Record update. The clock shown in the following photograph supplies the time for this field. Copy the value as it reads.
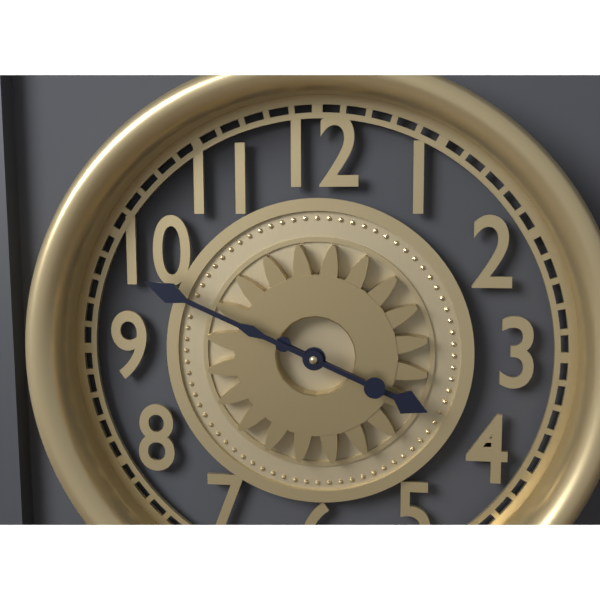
3:49
